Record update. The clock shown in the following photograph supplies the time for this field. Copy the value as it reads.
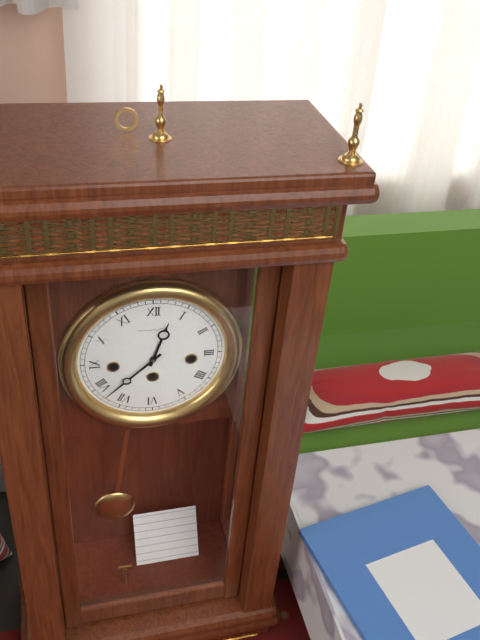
12:38
